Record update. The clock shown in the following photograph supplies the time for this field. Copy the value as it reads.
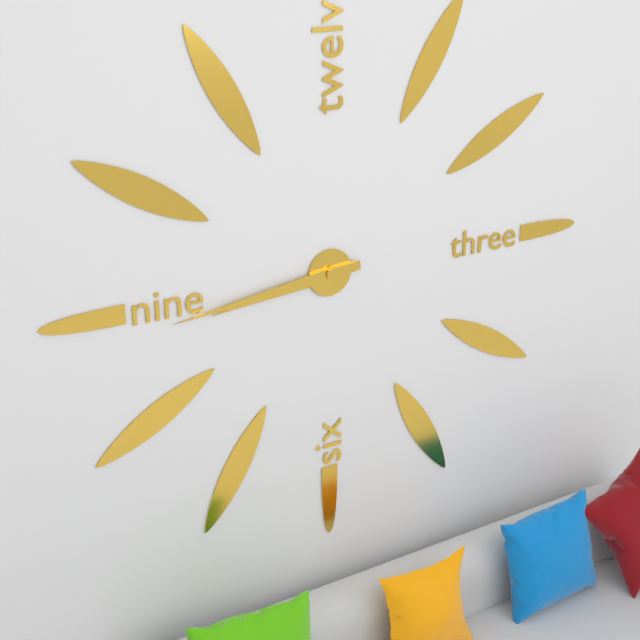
8:44
